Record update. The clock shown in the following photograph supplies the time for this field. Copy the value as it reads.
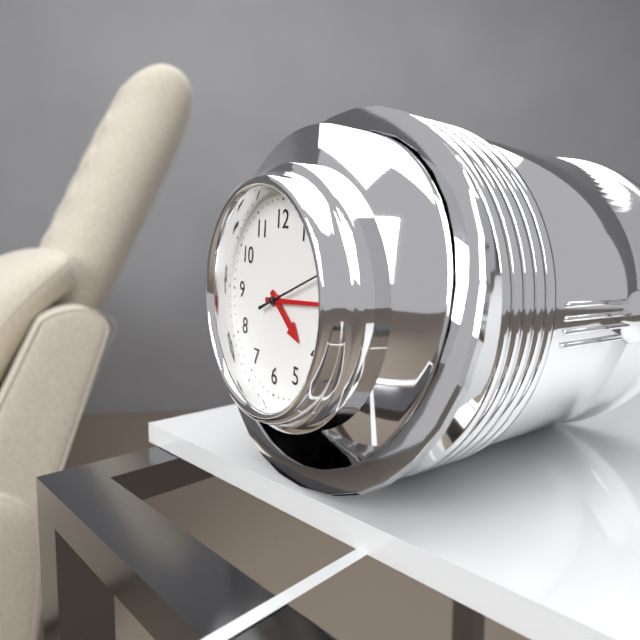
4:14:11
